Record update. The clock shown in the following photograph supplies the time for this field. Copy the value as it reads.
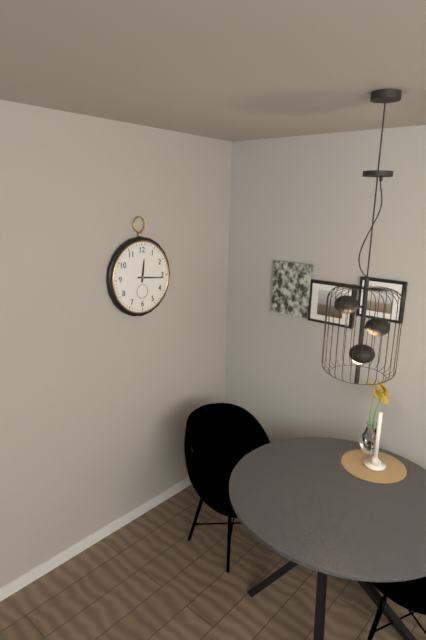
12:16
